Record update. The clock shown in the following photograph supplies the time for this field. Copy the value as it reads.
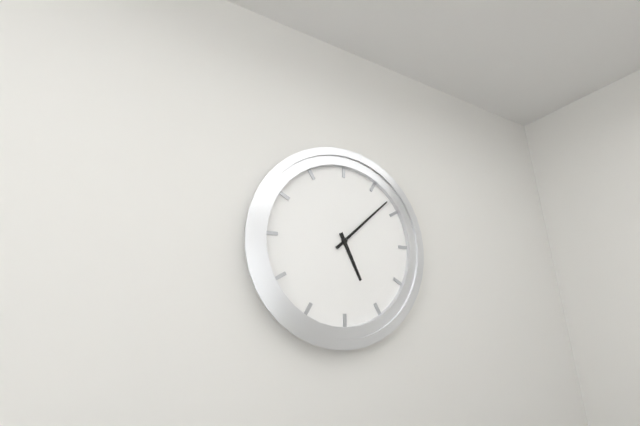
5:08
